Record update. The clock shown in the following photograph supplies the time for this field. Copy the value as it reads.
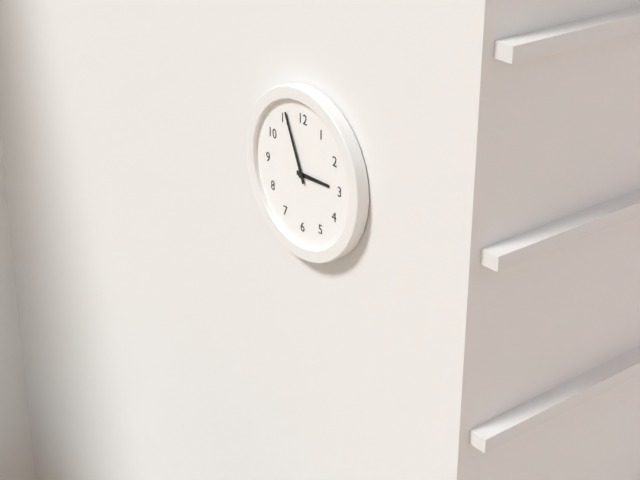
2:56
